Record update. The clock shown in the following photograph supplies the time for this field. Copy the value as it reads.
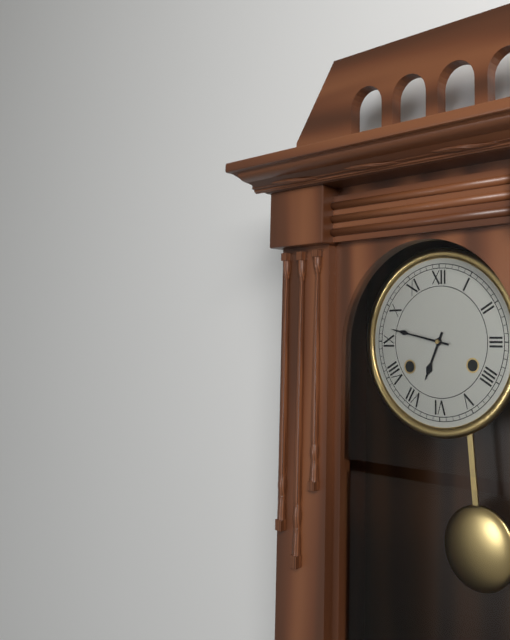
6:47
